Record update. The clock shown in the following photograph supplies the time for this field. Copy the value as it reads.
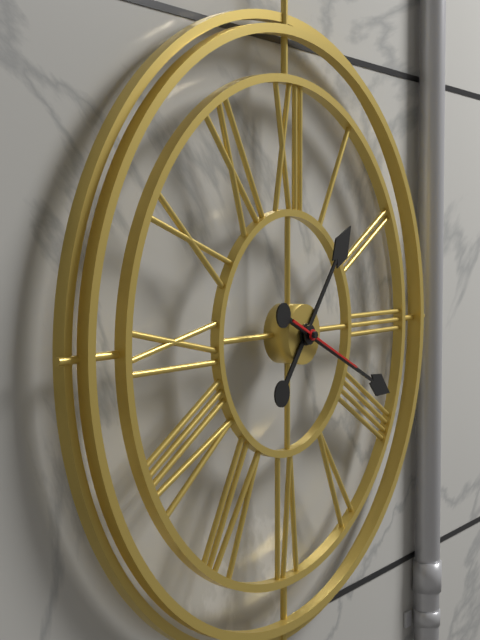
1:19:19
